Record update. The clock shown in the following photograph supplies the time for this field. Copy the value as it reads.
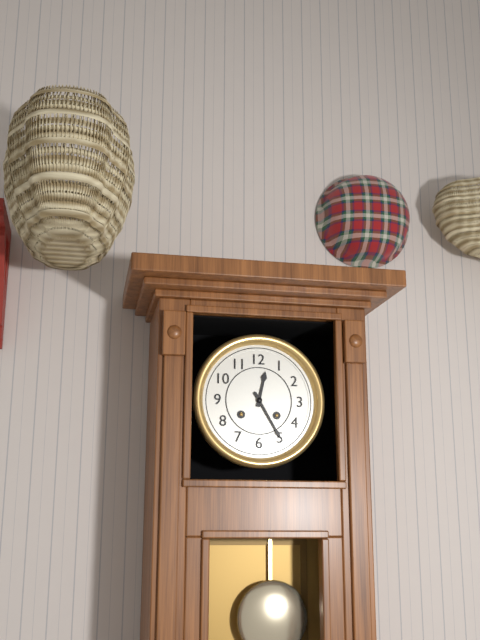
12:25
